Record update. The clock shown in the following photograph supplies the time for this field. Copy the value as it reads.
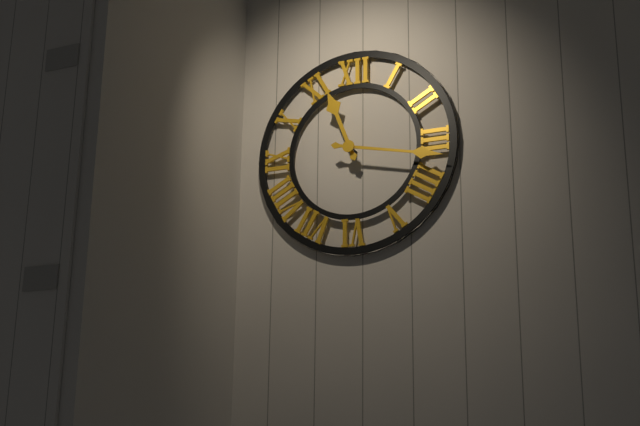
11:17
